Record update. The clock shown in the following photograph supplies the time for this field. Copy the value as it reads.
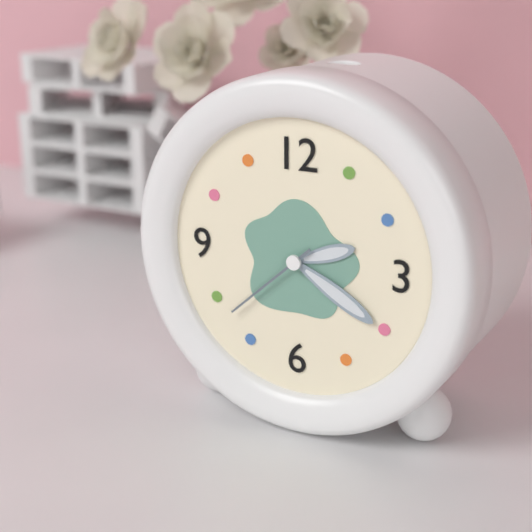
2:20:38
